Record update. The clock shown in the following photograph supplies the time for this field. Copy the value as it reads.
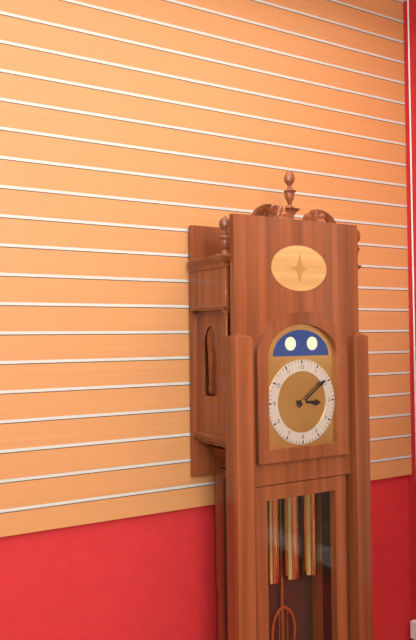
3:09
